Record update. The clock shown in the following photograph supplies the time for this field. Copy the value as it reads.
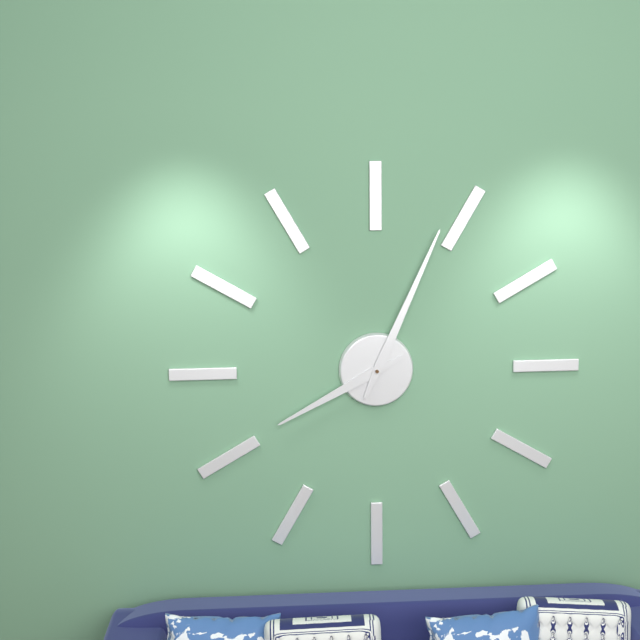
8:04
